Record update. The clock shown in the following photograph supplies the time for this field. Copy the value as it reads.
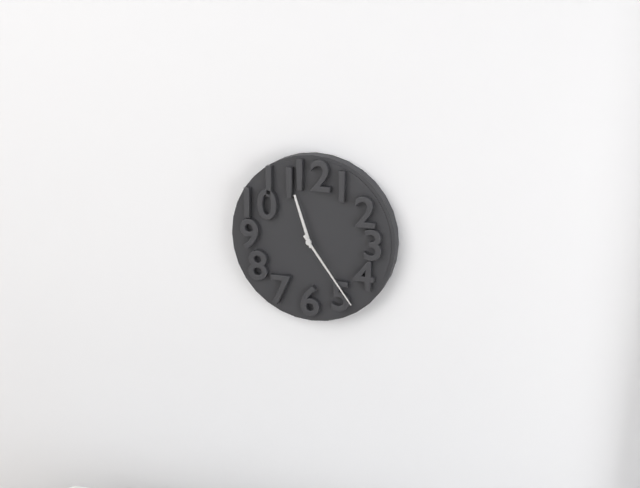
11:24
